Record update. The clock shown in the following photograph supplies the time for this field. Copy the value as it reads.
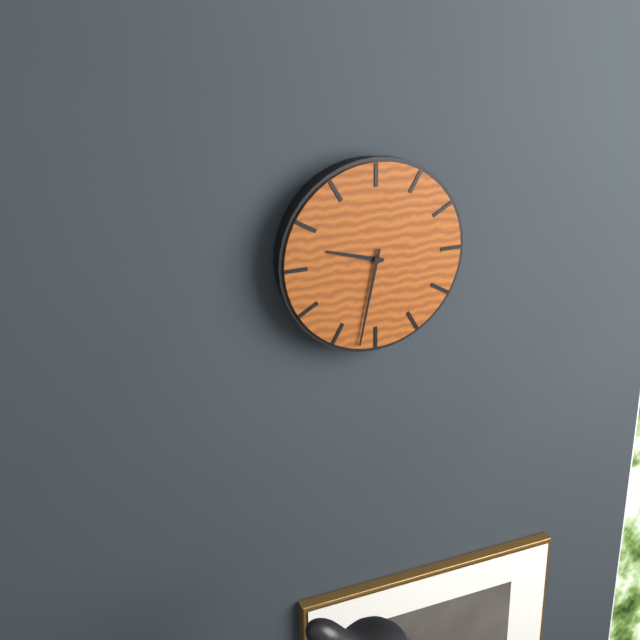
9:32
